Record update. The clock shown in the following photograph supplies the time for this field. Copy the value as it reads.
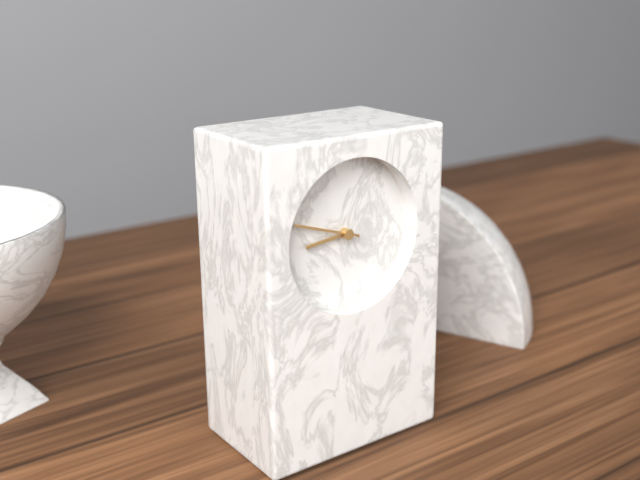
8:48
